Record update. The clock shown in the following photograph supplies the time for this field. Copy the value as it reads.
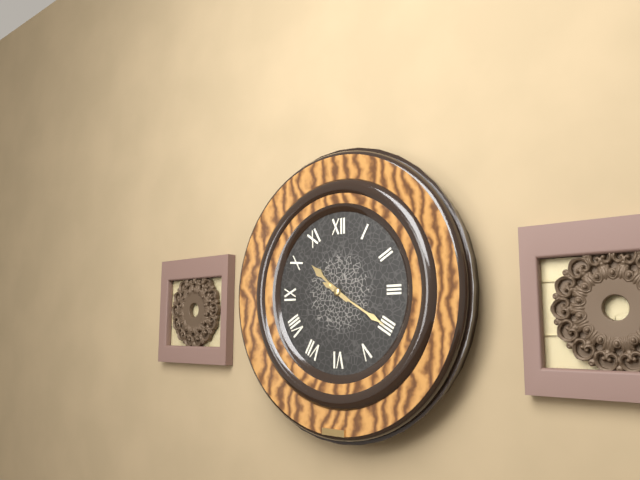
10:20
